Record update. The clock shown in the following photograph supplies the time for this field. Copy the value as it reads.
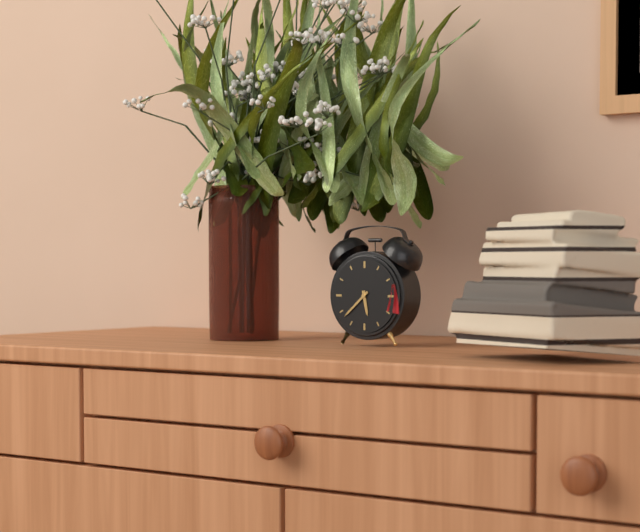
5:38
